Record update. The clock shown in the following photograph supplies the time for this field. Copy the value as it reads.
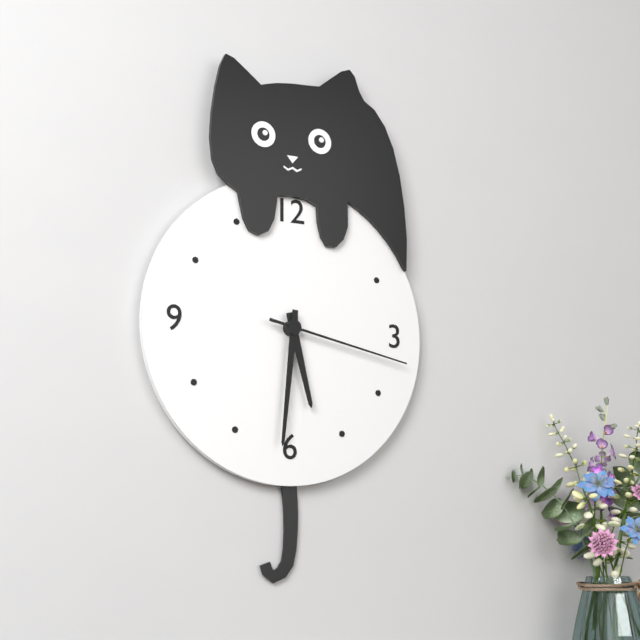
5:31:17
